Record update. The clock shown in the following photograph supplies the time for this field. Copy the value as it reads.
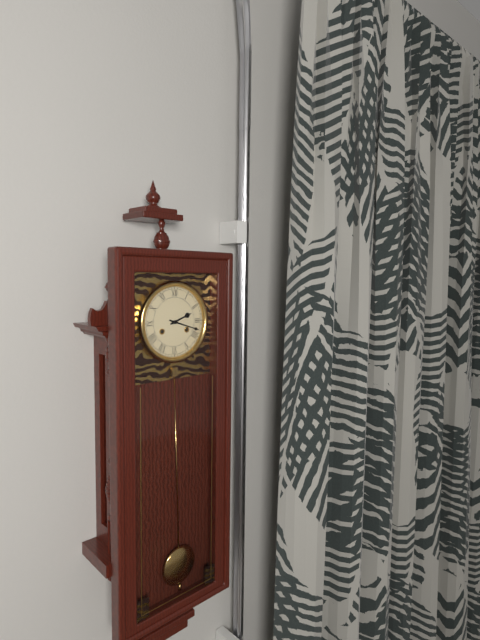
2:18
